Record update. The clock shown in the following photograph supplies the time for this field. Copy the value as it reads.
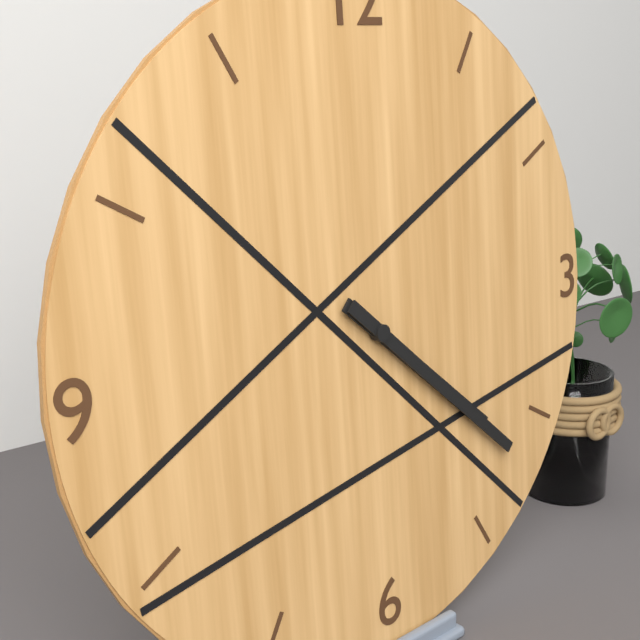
4:22
